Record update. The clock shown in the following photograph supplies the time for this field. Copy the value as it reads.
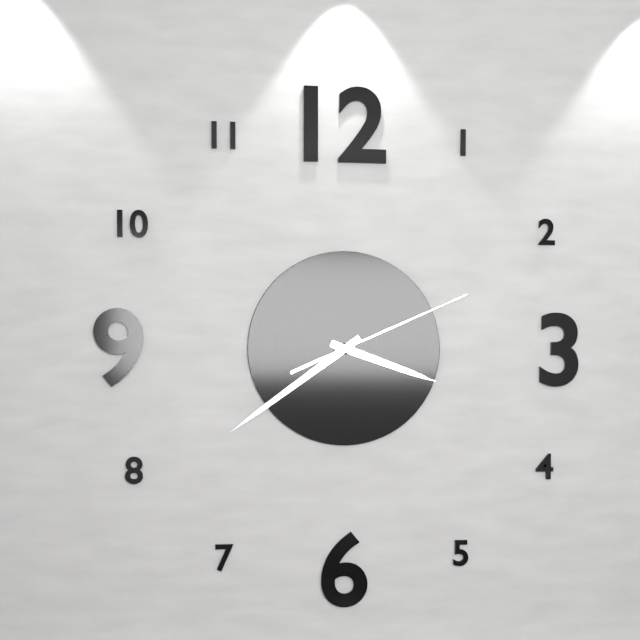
3:39:11
